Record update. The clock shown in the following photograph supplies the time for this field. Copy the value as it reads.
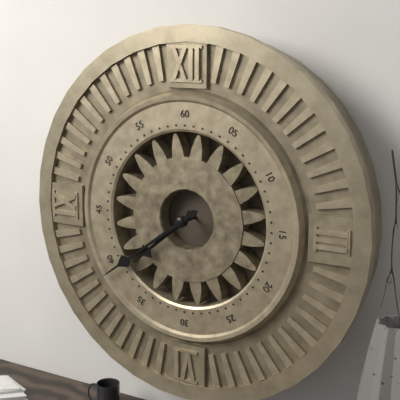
7:39
